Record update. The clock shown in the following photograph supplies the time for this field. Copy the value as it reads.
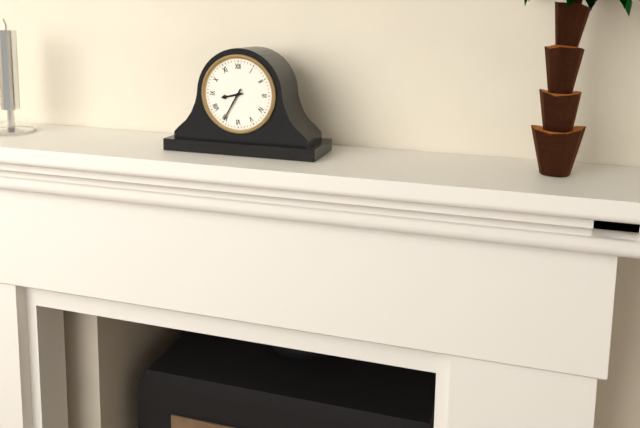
8:35
